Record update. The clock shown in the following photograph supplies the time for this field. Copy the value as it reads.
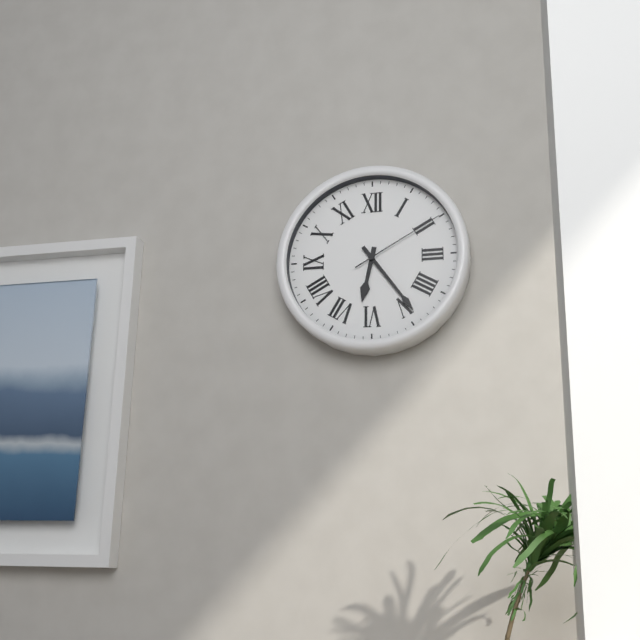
6:24:10
